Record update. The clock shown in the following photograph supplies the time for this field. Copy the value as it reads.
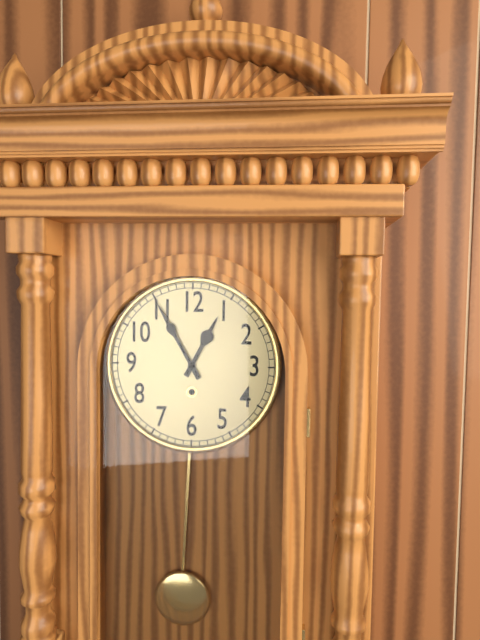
12:55
